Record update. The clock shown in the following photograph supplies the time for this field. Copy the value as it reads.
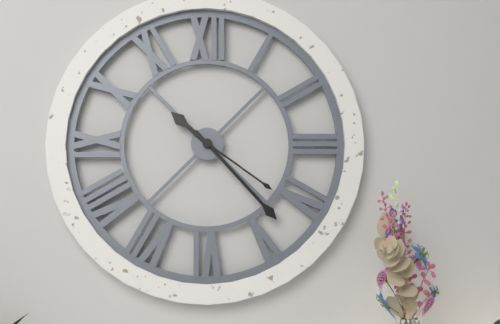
10:23:21
